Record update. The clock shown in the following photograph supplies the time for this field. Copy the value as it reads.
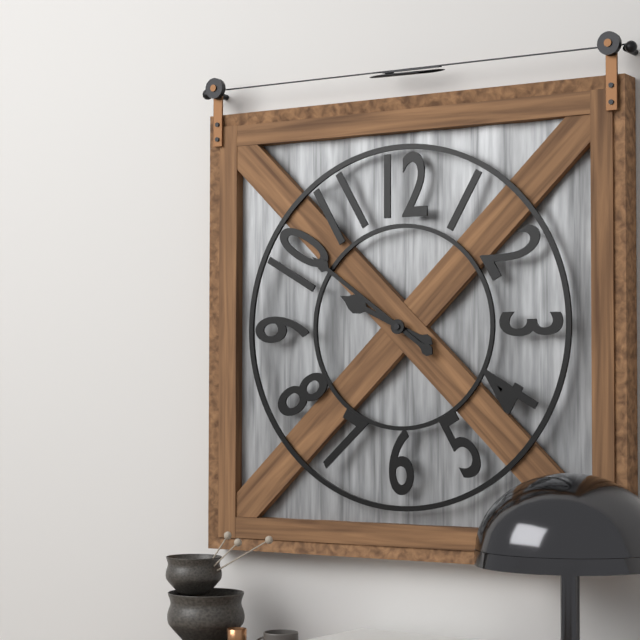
9:51
